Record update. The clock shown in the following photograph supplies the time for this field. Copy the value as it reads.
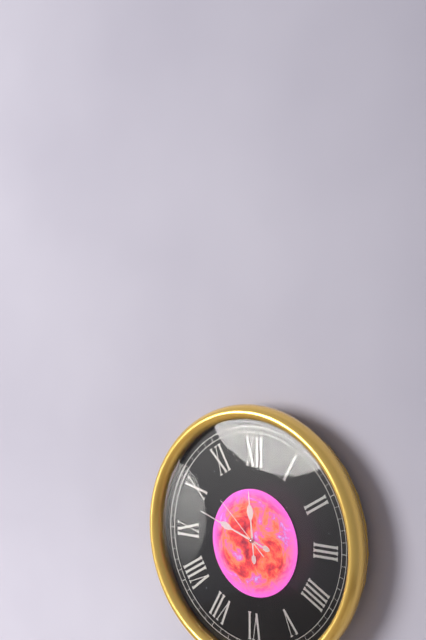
11:48:52
